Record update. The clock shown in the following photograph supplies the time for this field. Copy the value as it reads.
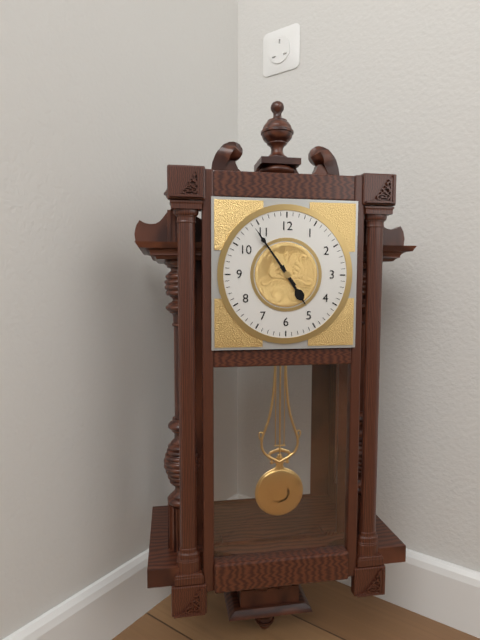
4:54
